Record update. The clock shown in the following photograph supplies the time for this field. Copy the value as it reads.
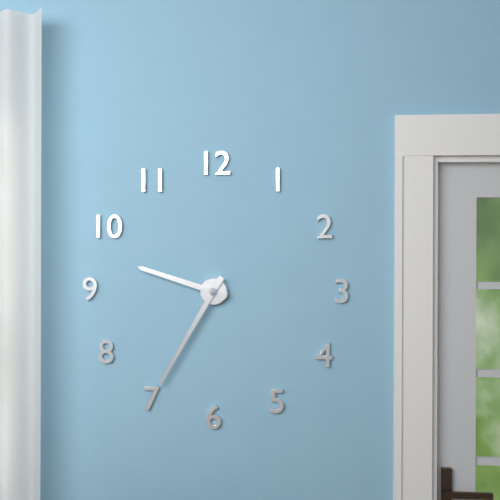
9:35
